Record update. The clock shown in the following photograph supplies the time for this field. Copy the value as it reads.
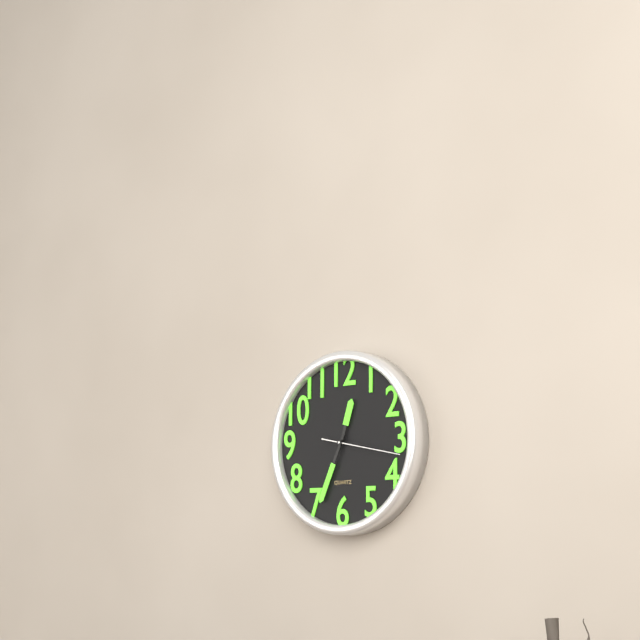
12:34:17
